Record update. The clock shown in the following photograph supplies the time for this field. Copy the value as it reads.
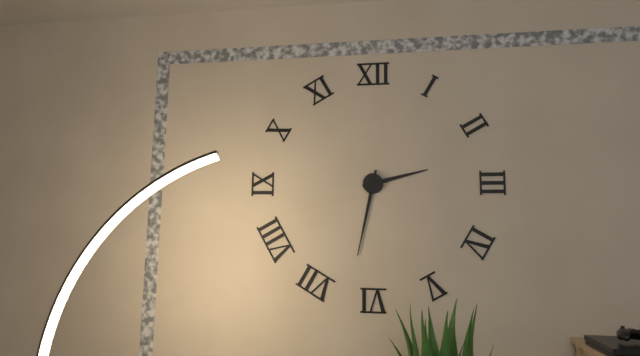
2:32
